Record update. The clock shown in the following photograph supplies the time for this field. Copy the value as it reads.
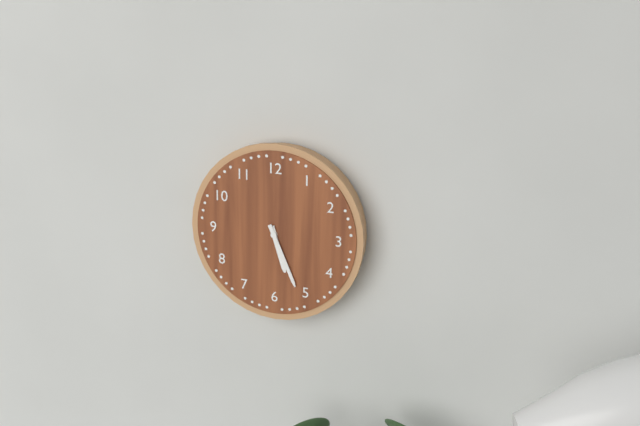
5:26
